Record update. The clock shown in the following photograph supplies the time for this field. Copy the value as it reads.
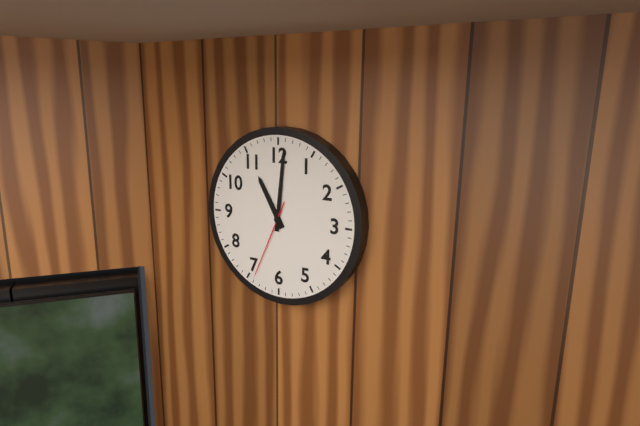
11:01:34
